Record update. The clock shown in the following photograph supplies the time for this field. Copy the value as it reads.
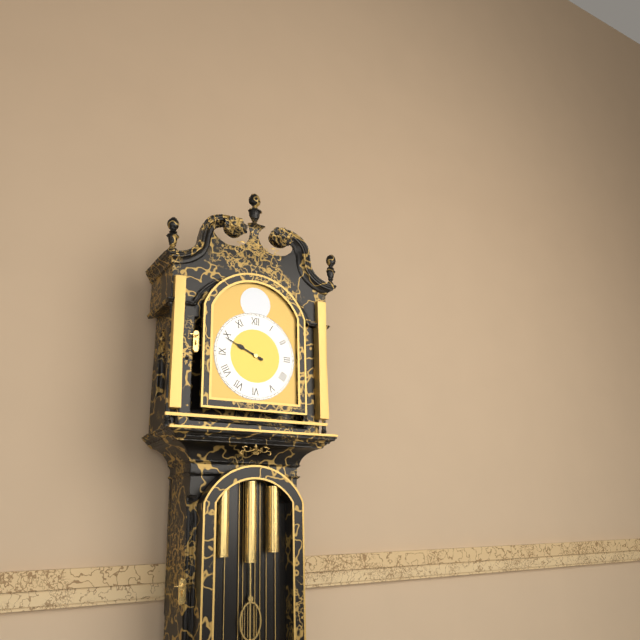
9:49
